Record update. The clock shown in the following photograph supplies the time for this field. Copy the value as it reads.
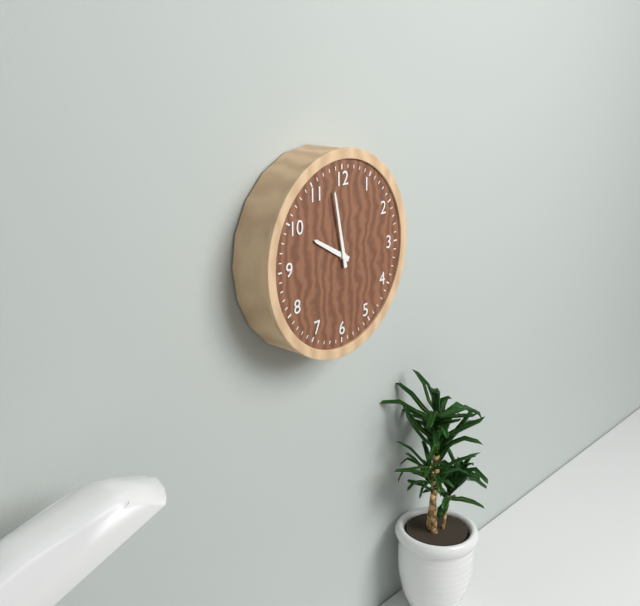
9:58
